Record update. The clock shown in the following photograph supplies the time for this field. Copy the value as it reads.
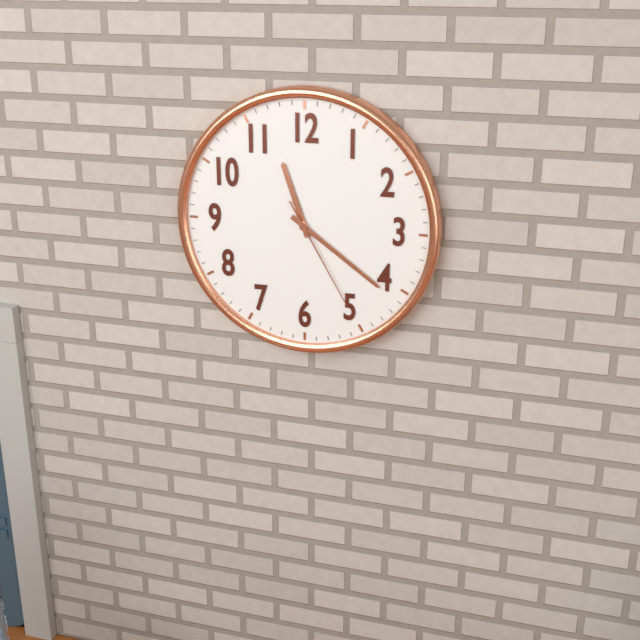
11:21:25
